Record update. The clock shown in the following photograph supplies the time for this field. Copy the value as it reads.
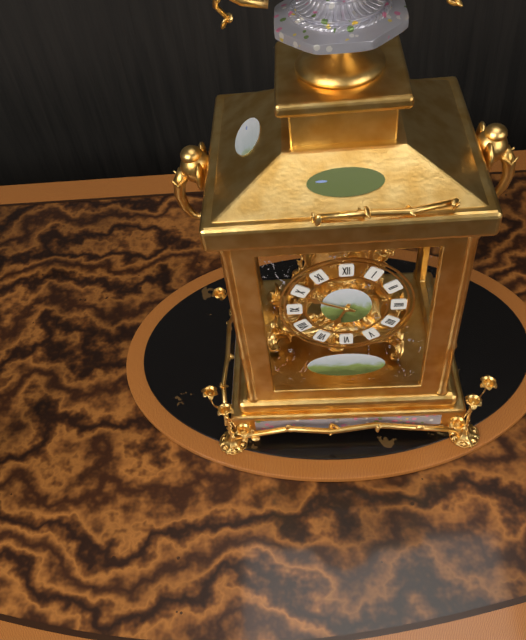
6:49
